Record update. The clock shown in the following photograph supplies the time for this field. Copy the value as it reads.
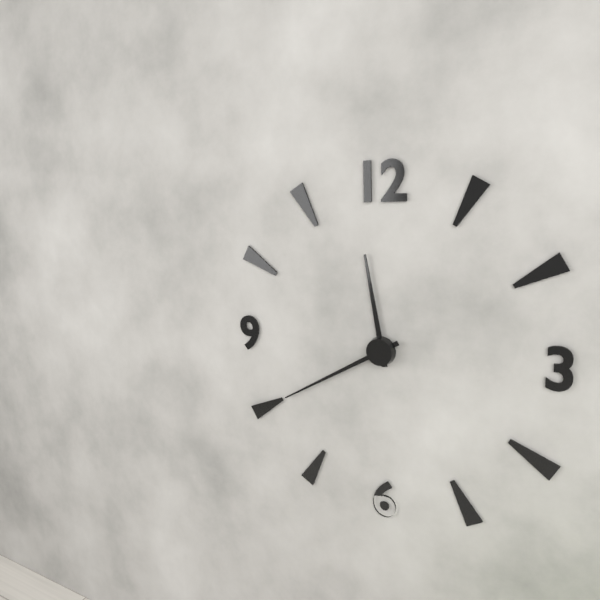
11:40
